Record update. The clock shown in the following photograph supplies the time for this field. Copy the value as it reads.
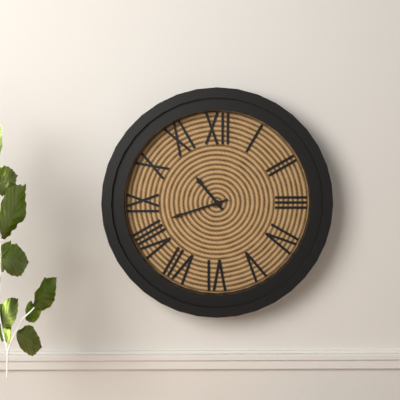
10:42
